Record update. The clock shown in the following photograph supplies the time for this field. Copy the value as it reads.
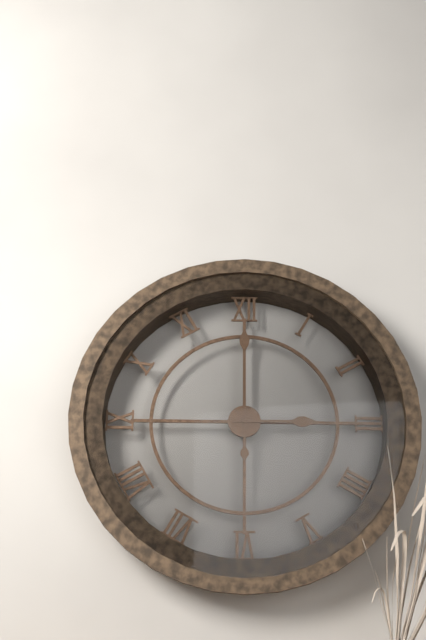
3:00
